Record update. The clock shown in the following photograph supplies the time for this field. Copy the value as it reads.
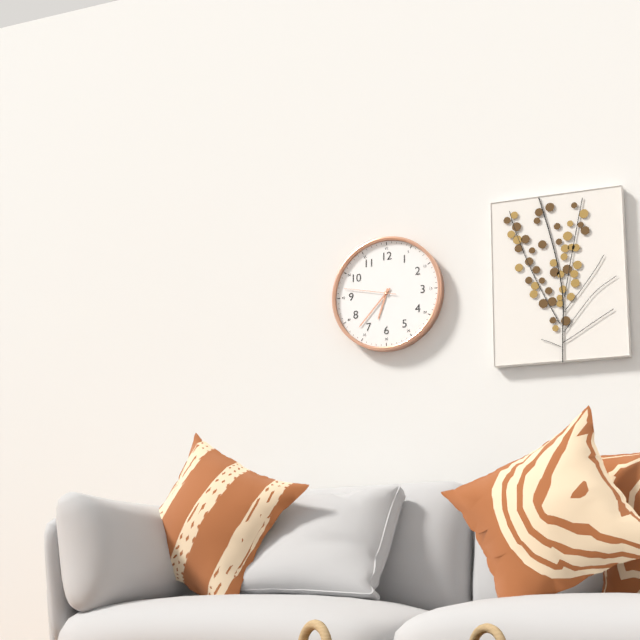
6:37:47
